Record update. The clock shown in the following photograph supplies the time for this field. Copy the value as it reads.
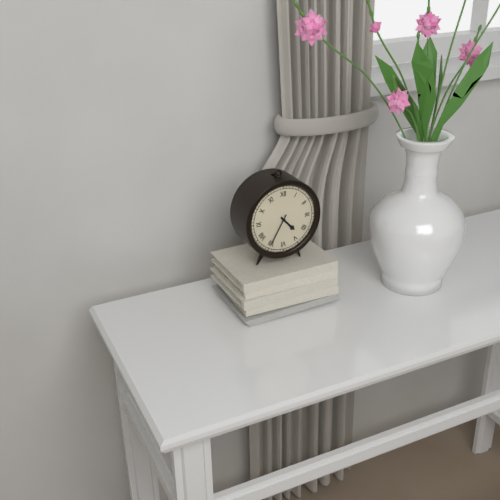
4:35
